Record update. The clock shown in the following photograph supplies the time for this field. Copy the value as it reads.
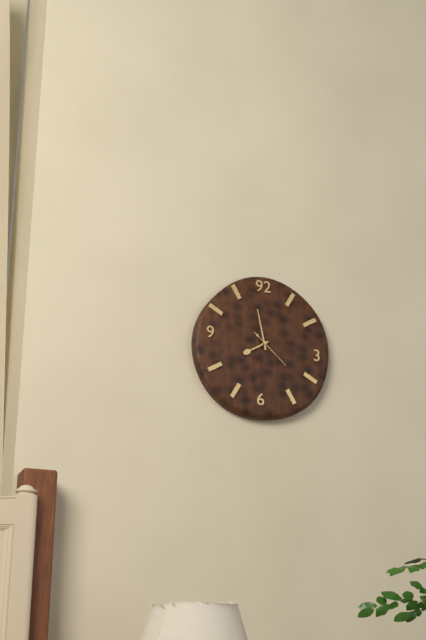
7:58
